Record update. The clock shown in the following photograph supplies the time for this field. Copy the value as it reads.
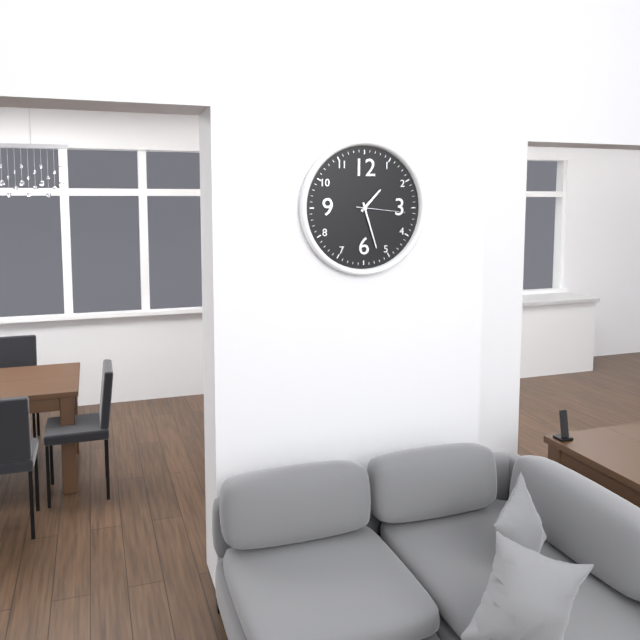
1:27:16
